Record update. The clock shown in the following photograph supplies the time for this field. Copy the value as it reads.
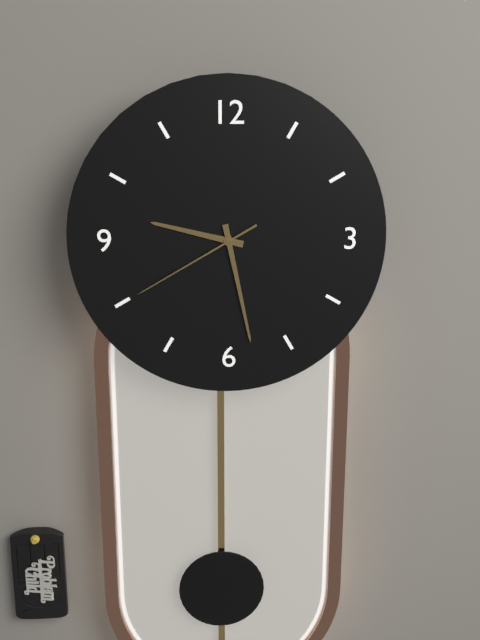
9:28:40
